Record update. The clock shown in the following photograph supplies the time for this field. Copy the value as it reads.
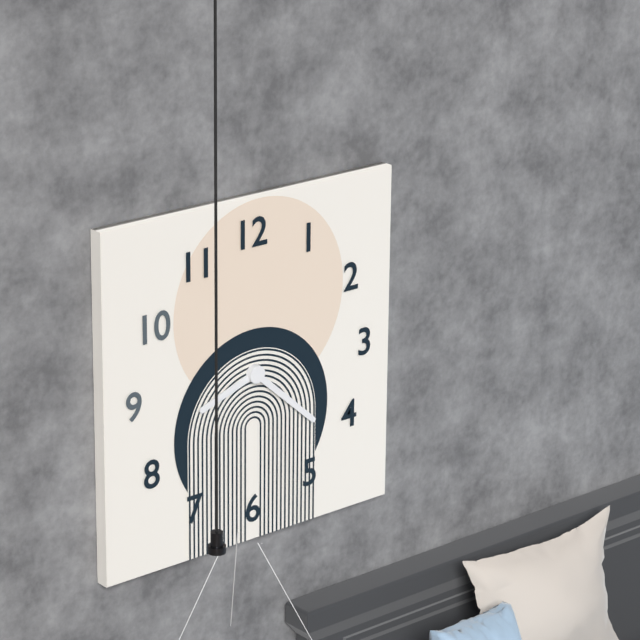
8:22
